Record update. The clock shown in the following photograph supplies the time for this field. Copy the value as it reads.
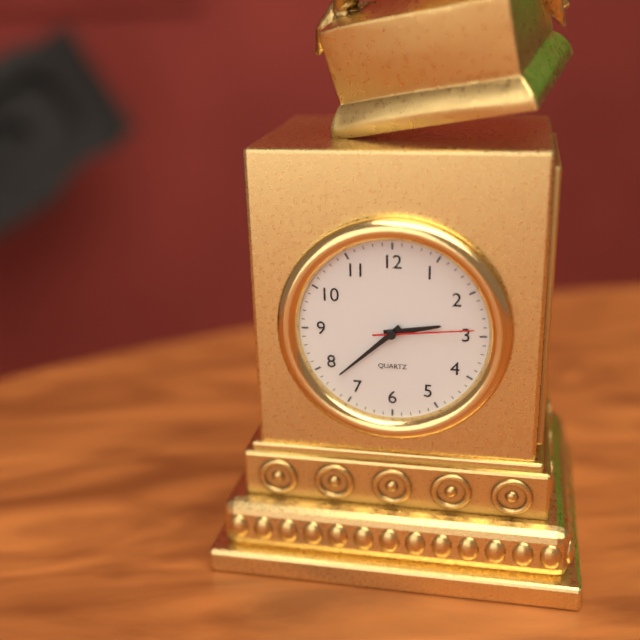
2:38:14
